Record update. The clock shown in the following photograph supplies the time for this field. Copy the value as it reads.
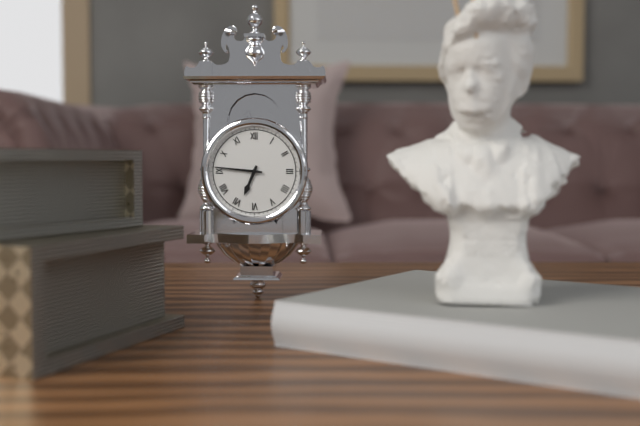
6:46
